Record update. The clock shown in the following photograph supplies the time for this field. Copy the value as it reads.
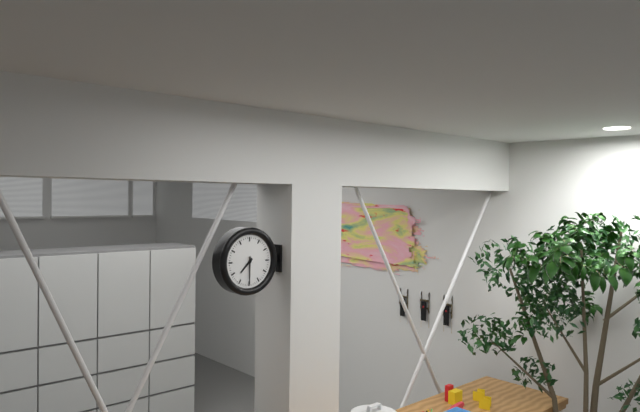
7:30
